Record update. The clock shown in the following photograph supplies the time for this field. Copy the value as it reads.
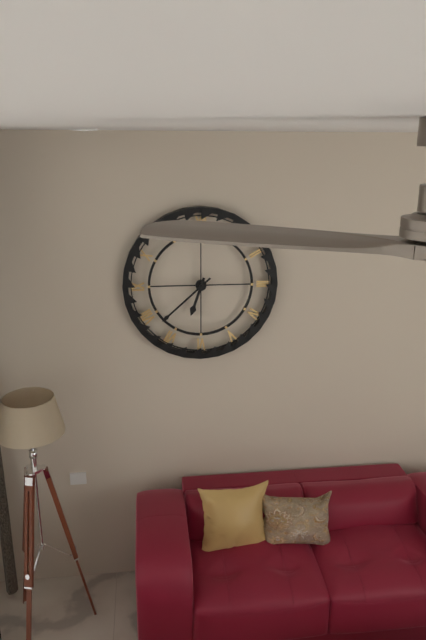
6:38
